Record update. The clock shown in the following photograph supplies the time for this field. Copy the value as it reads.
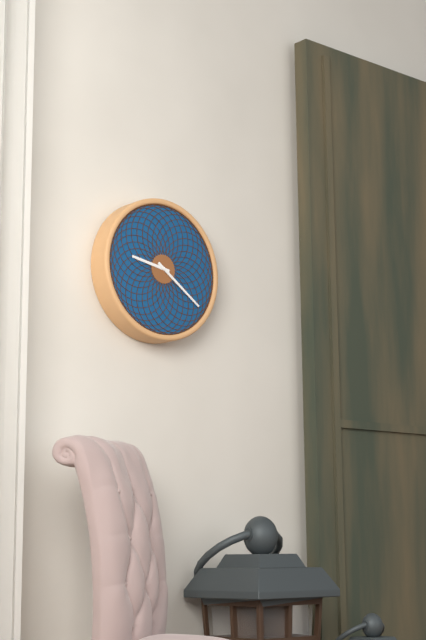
9:21
